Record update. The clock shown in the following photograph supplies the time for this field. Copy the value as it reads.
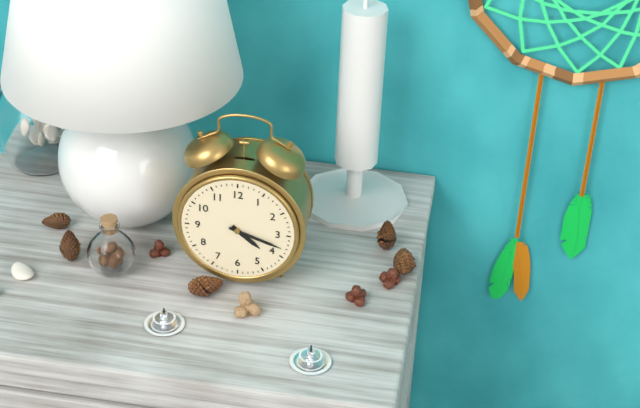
4:18
